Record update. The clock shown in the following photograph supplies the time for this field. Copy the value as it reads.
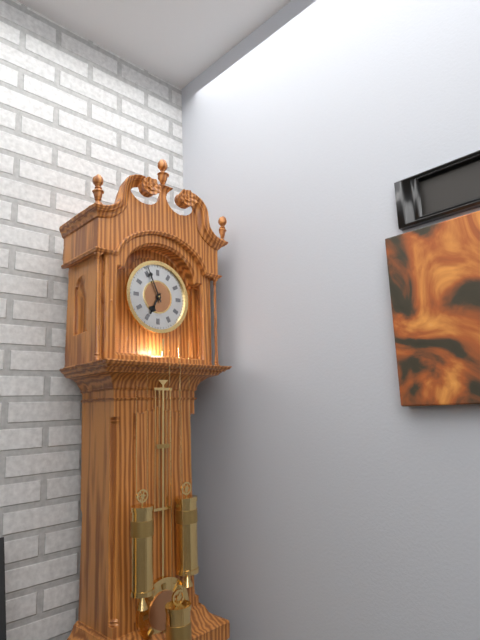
6:56
